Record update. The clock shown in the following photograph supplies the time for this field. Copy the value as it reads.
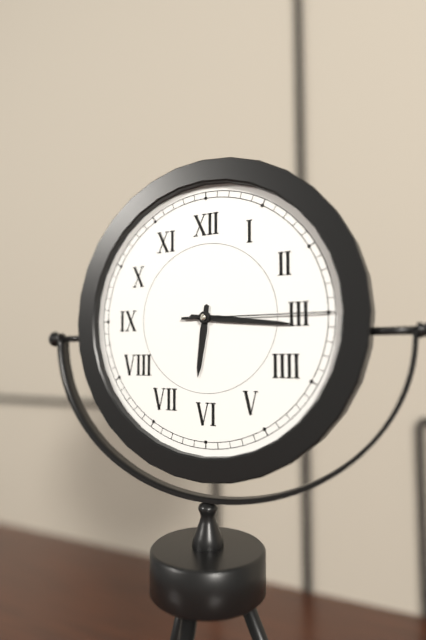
6:16:15
